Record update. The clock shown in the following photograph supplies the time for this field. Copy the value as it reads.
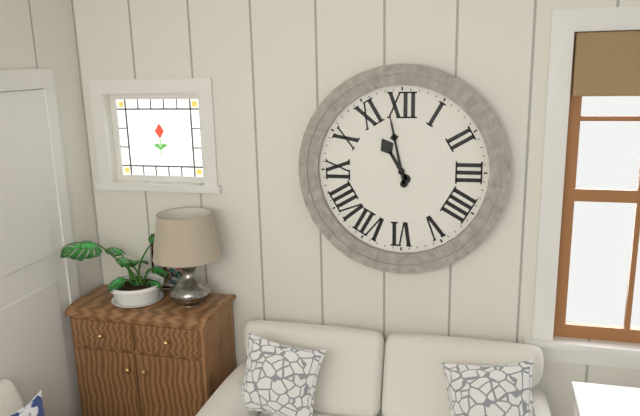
10:58
